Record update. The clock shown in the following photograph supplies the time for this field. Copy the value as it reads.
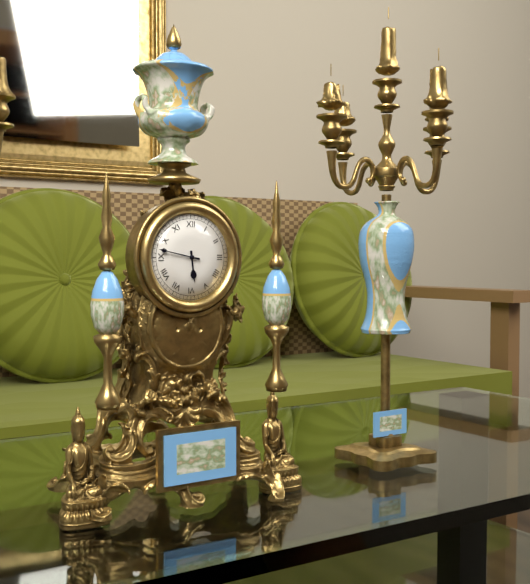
5:47
